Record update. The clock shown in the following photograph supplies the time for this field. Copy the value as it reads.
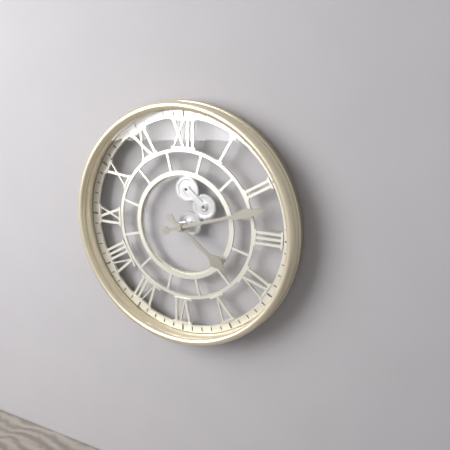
4:12
